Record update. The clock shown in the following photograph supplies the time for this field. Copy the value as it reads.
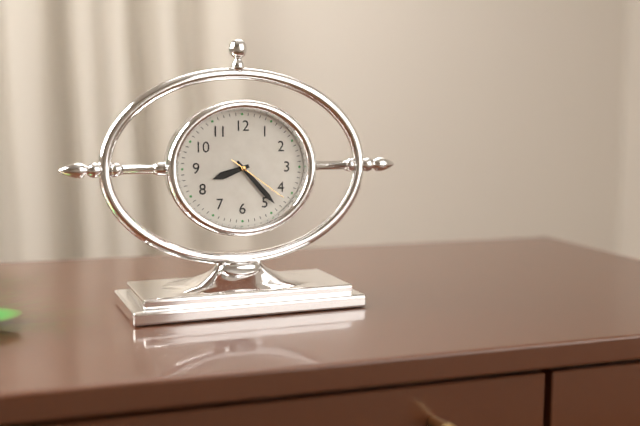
8:23:21
